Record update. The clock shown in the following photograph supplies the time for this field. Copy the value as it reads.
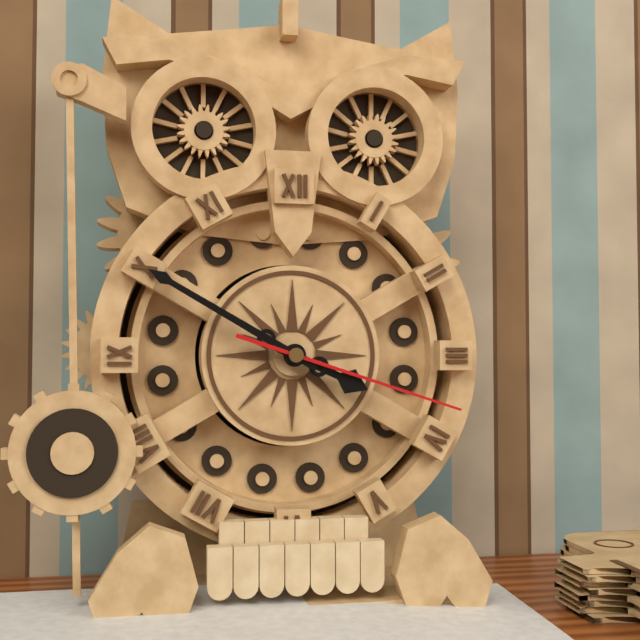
3:50:18
